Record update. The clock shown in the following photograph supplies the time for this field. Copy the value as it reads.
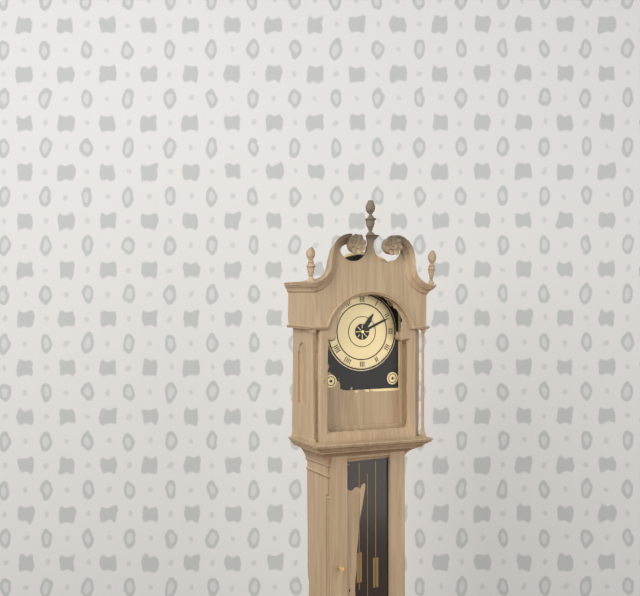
1:11
